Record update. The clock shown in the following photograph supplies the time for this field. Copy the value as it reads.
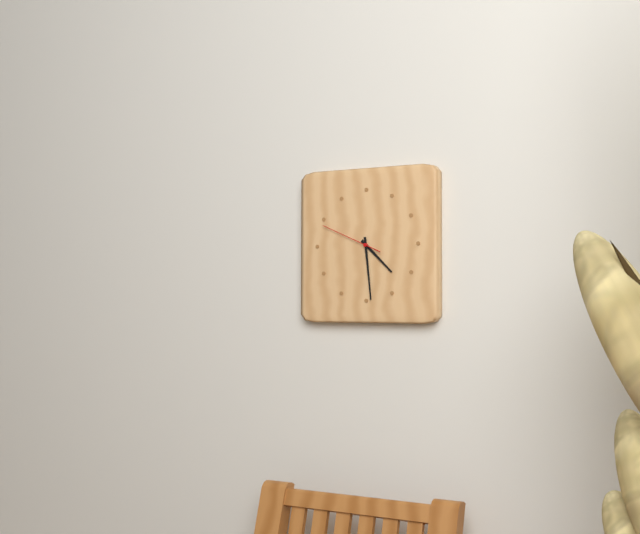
4:29:49
